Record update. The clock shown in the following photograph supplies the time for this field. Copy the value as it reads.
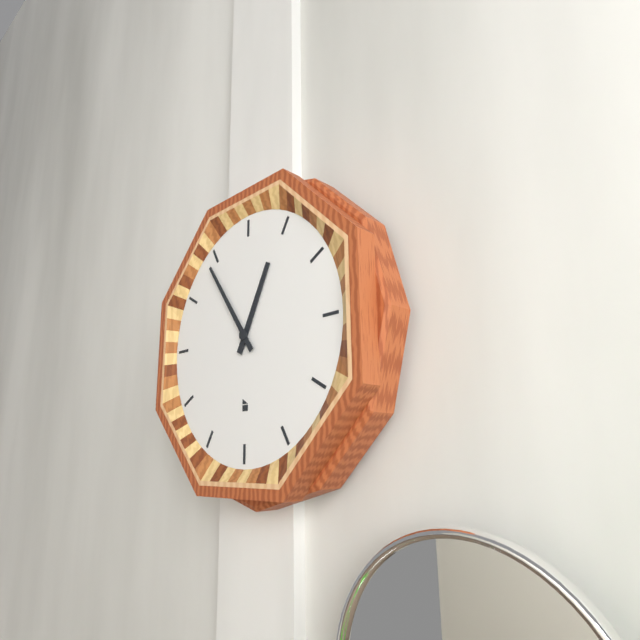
12:54
